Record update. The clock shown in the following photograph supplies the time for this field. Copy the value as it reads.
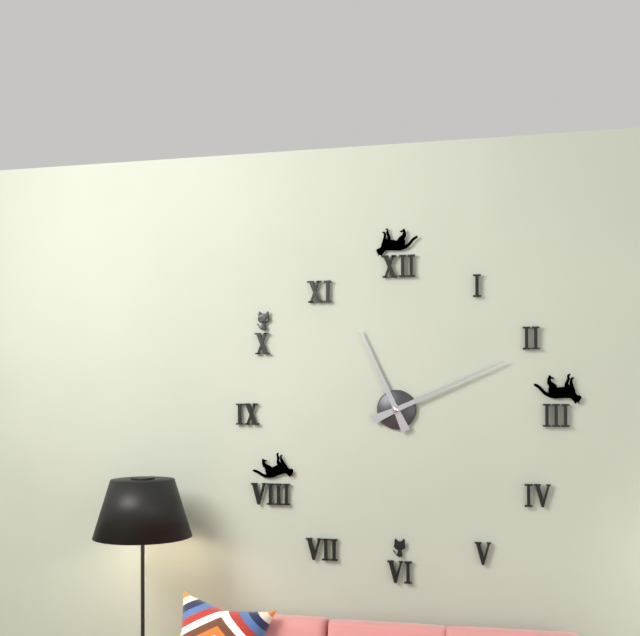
11:11
